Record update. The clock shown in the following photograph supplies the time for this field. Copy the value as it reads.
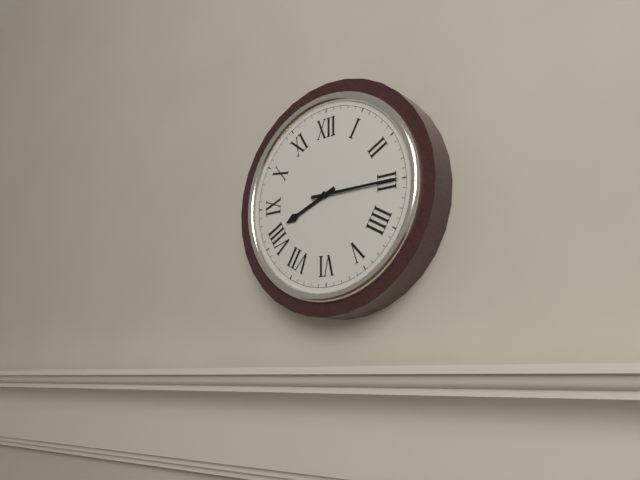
8:15
